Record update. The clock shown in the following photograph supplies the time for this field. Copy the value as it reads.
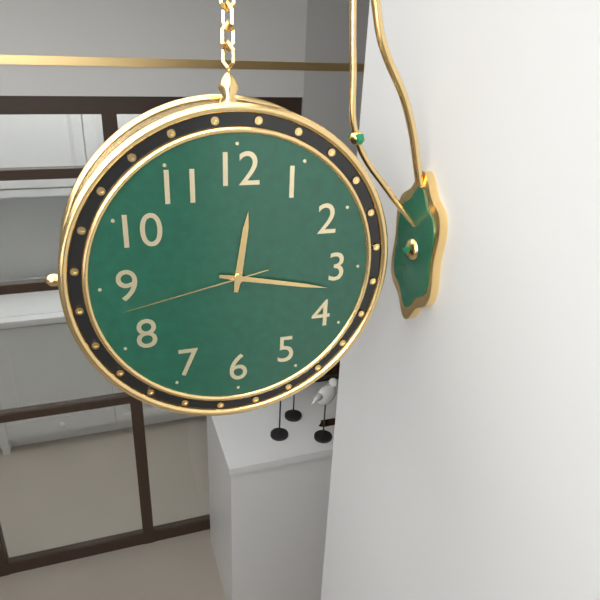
12:17:43
